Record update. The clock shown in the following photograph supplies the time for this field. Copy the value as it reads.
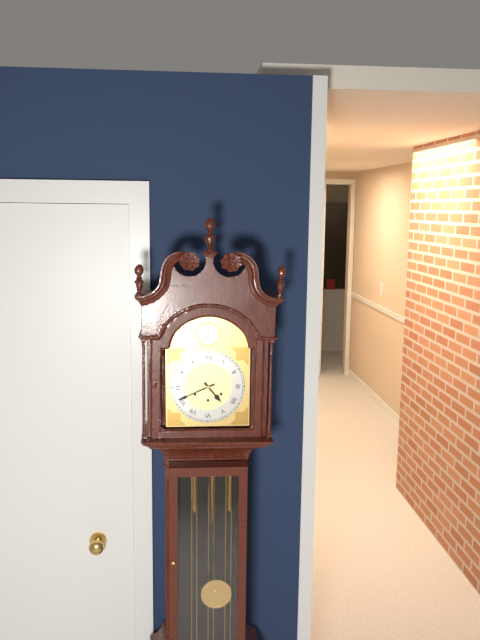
4:41
